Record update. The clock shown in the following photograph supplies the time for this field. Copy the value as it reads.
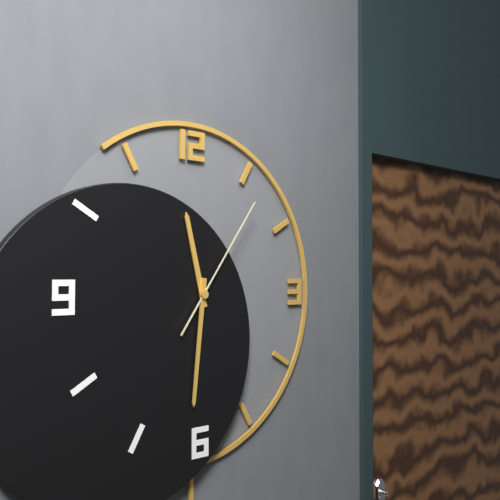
11:31:06
